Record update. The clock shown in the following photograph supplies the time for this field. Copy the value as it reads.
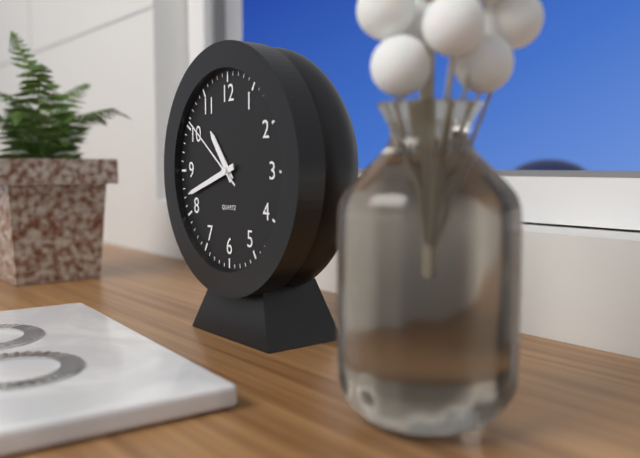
10:42:51
